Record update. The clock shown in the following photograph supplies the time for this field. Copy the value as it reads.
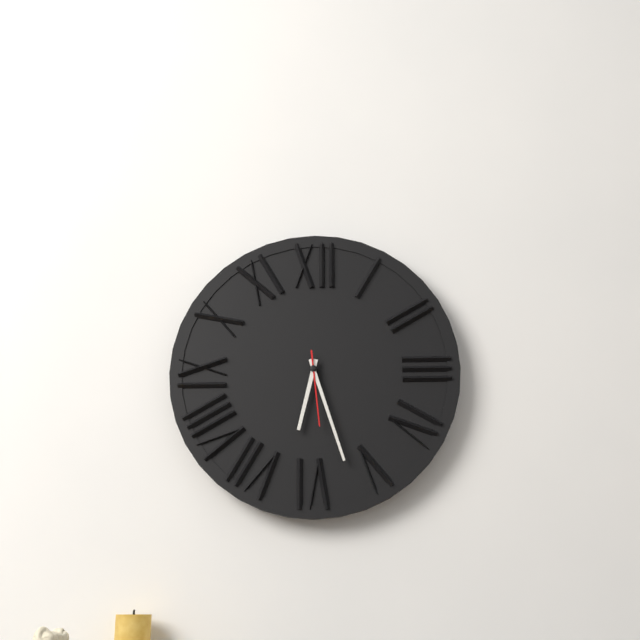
6:27:29
